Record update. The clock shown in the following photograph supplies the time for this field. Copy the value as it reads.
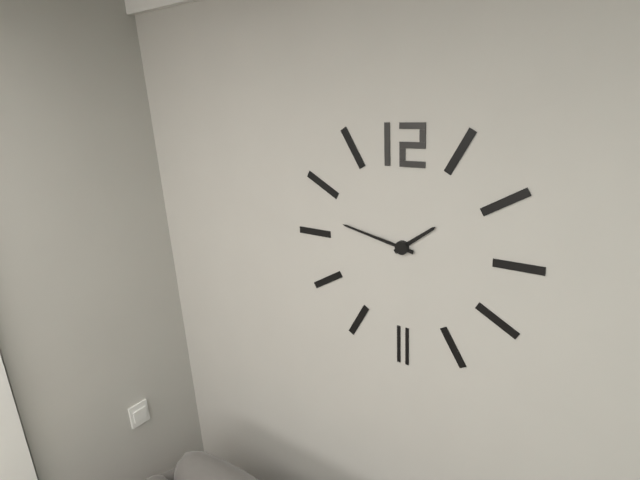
1:47
